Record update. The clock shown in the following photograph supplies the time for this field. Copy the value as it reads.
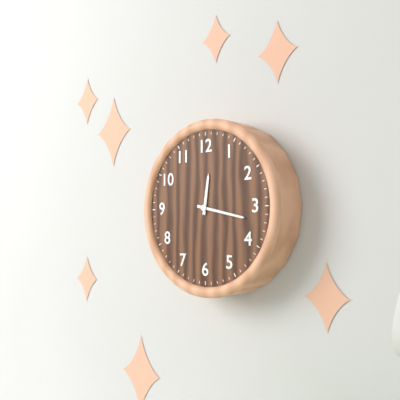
12:17
